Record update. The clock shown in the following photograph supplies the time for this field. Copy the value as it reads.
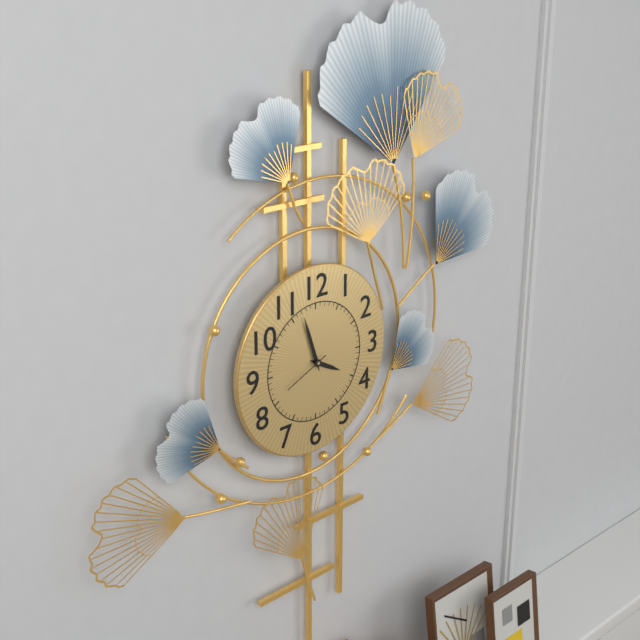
3:57
